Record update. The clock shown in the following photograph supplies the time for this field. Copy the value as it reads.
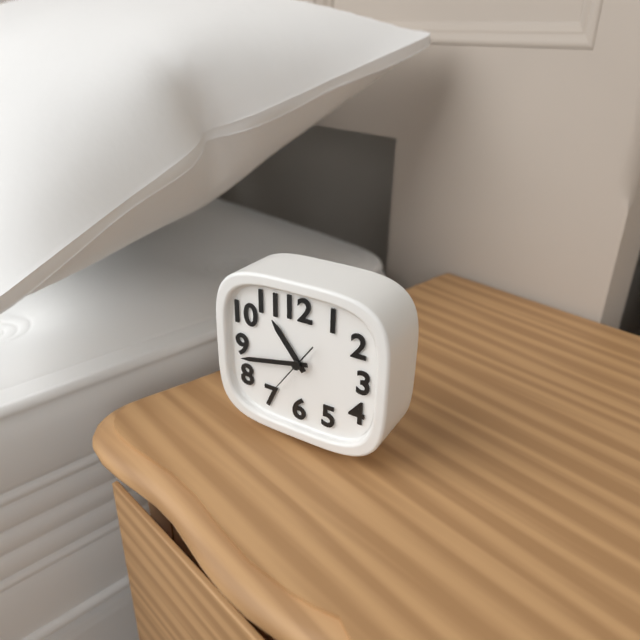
10:43
